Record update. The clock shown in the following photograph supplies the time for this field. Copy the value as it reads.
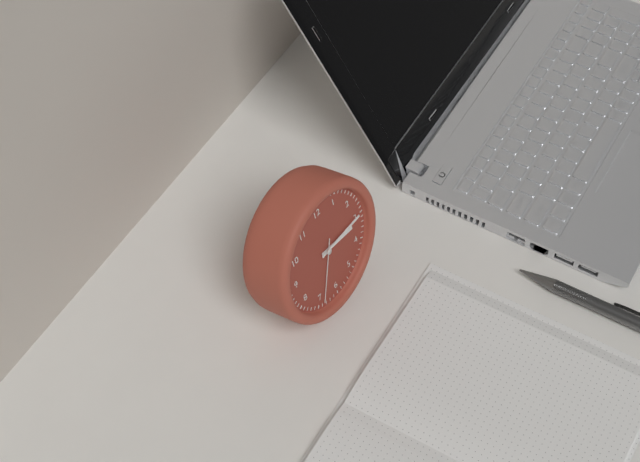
3:15:34
